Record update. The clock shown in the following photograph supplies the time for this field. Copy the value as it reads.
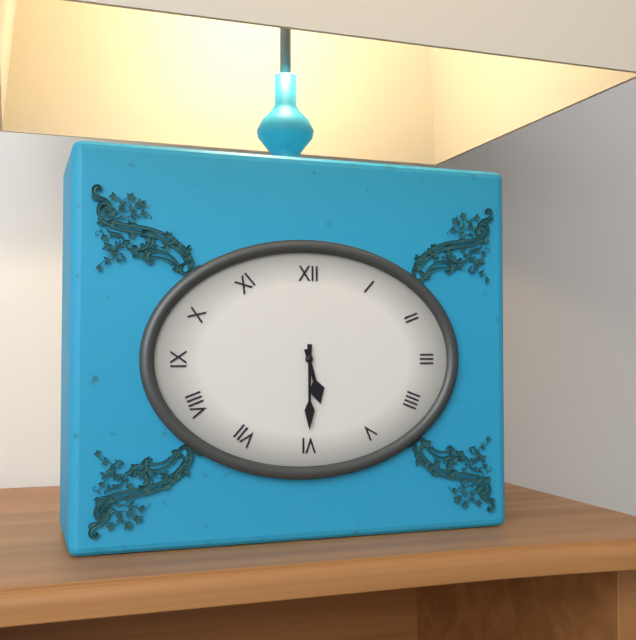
5:30
